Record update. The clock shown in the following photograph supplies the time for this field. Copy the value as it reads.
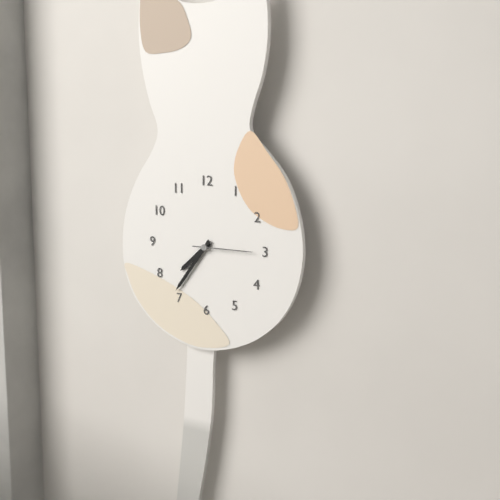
7:36:15
